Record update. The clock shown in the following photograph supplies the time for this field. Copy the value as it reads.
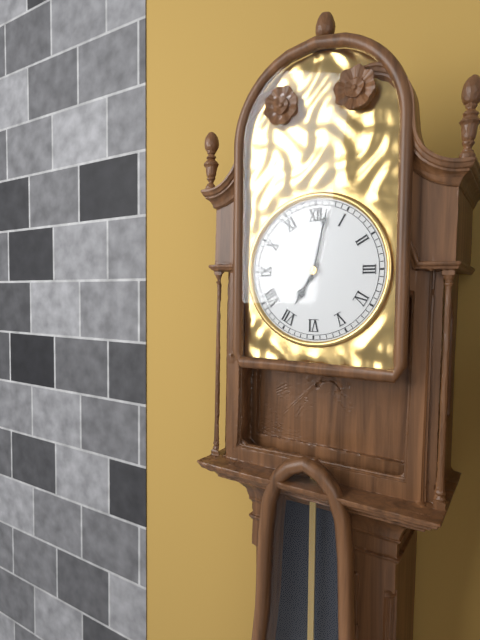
7:02
